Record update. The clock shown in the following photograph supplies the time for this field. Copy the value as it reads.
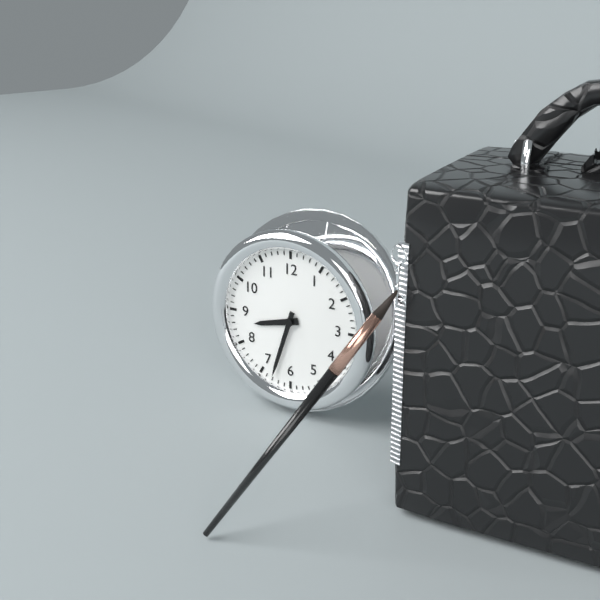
8:33
